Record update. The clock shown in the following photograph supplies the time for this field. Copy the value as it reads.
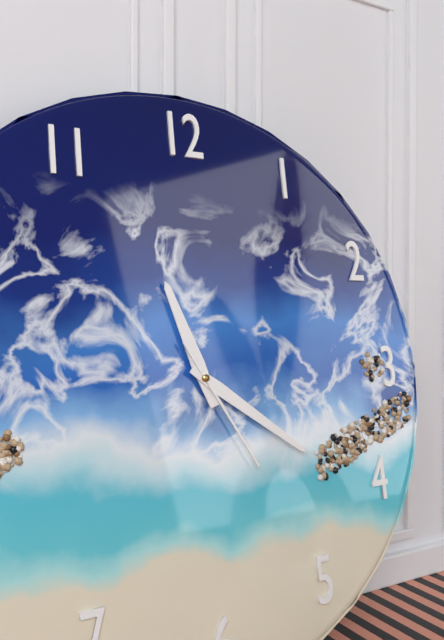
11:21:25
